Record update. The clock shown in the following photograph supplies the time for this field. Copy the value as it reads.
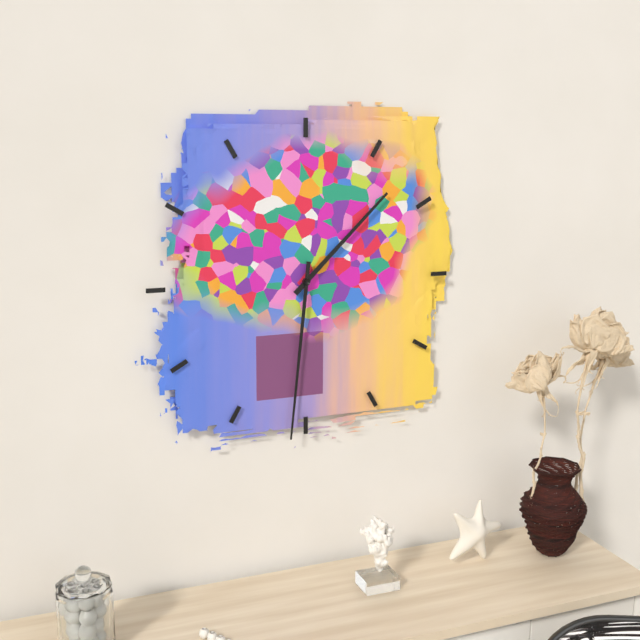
1:31
